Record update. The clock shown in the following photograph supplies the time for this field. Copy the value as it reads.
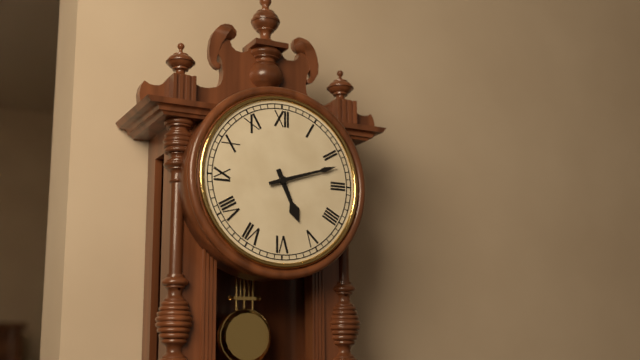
5:12
